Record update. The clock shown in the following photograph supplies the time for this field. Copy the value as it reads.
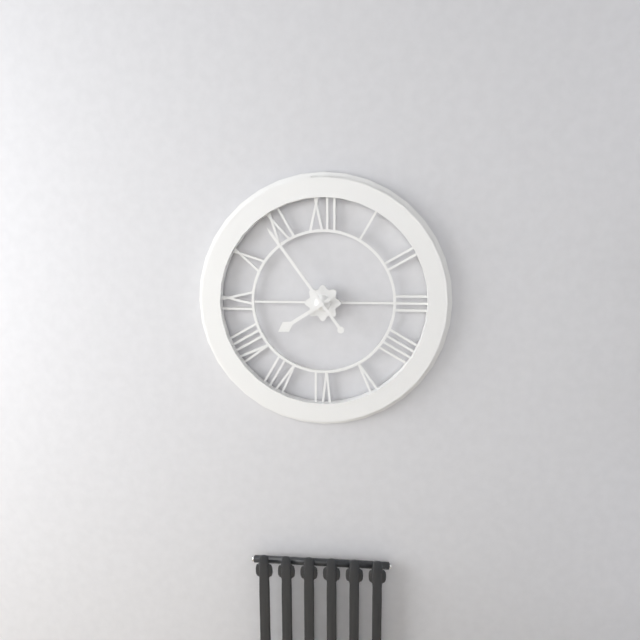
7:54
